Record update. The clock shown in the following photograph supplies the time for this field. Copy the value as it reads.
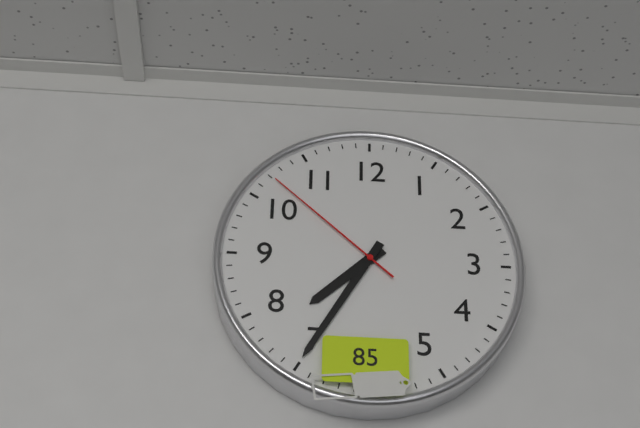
7:35:52
